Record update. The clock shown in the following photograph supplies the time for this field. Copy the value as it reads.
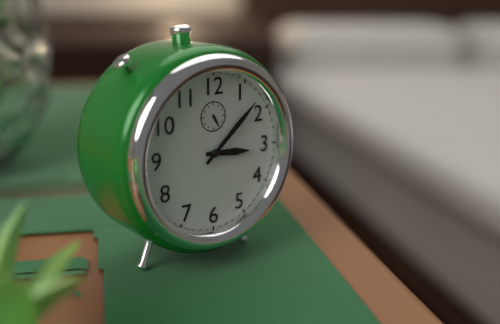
3:08
